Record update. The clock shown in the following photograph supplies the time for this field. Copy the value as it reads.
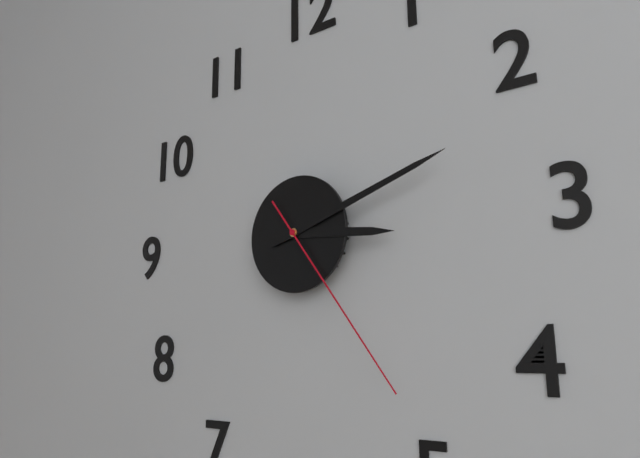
3:12:24
